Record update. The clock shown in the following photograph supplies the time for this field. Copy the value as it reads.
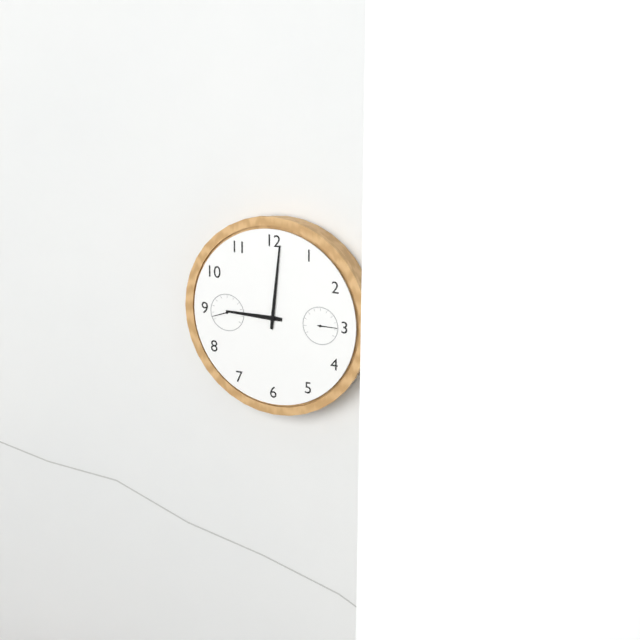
9:01
